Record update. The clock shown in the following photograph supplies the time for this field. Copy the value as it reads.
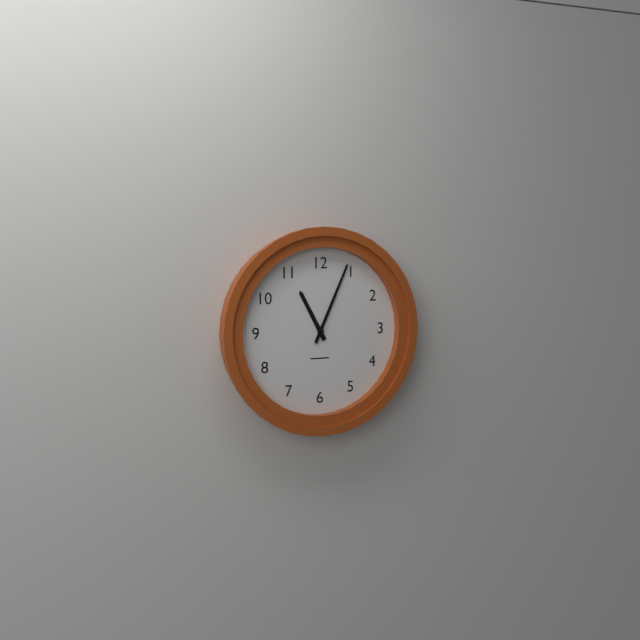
11:04
